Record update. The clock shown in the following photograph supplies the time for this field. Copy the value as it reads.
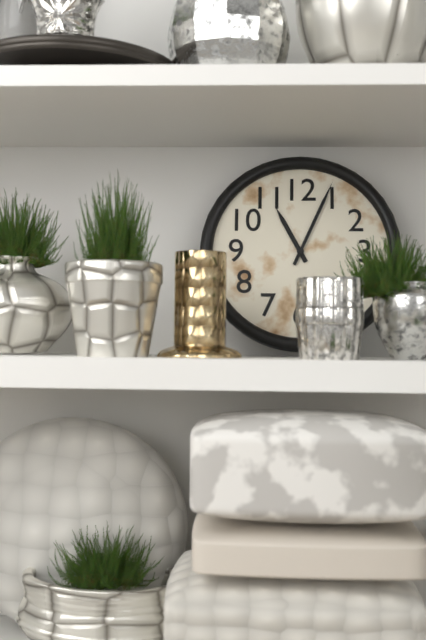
11:04
